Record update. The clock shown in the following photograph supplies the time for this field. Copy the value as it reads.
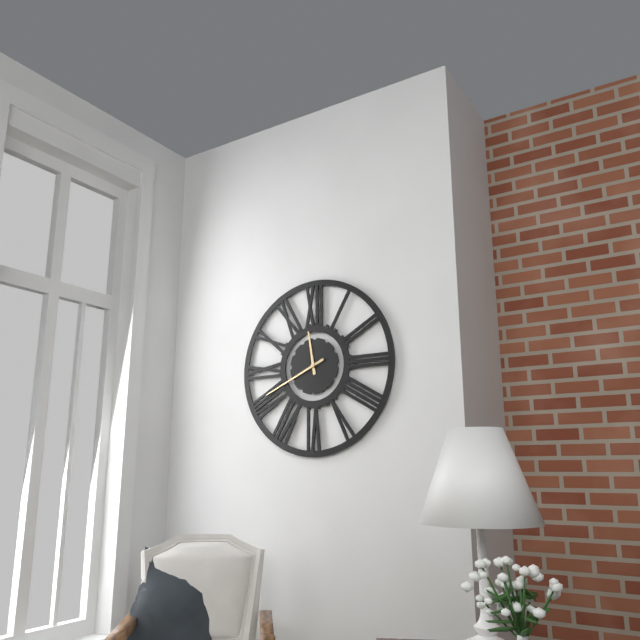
11:41
